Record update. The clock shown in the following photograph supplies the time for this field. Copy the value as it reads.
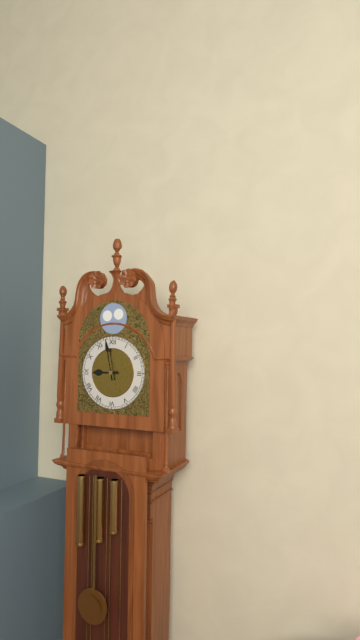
8:58
